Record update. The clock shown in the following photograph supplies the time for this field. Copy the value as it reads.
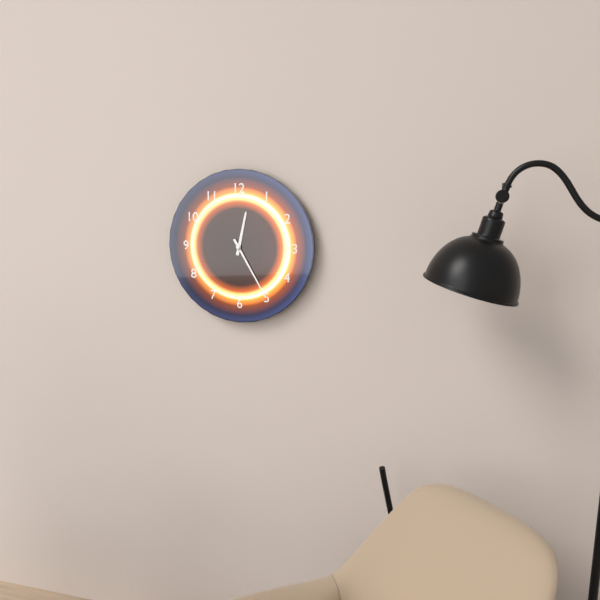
12:25
